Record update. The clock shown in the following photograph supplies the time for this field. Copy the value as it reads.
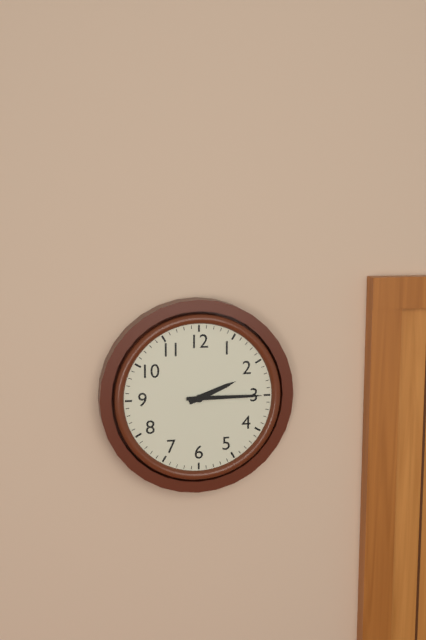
2:15
